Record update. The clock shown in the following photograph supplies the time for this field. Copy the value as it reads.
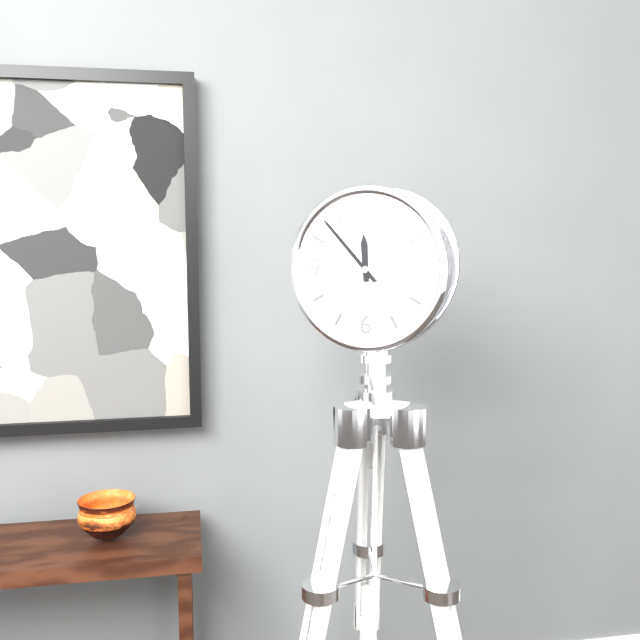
11:53
